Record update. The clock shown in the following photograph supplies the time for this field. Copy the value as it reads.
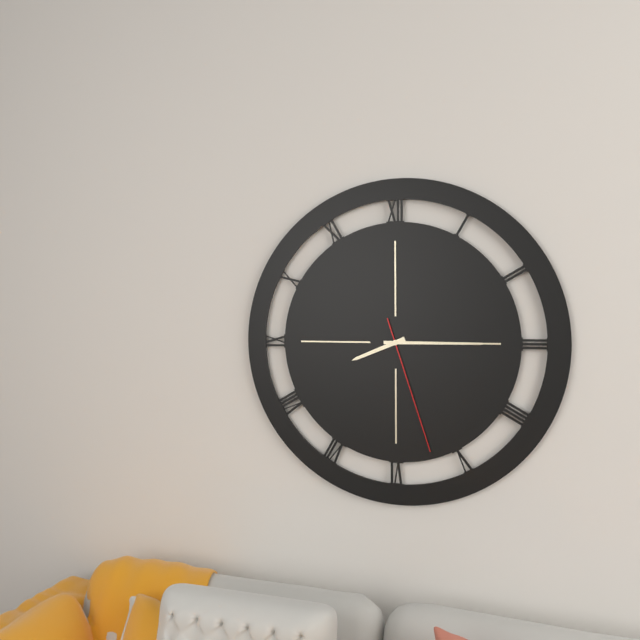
8:15:27
